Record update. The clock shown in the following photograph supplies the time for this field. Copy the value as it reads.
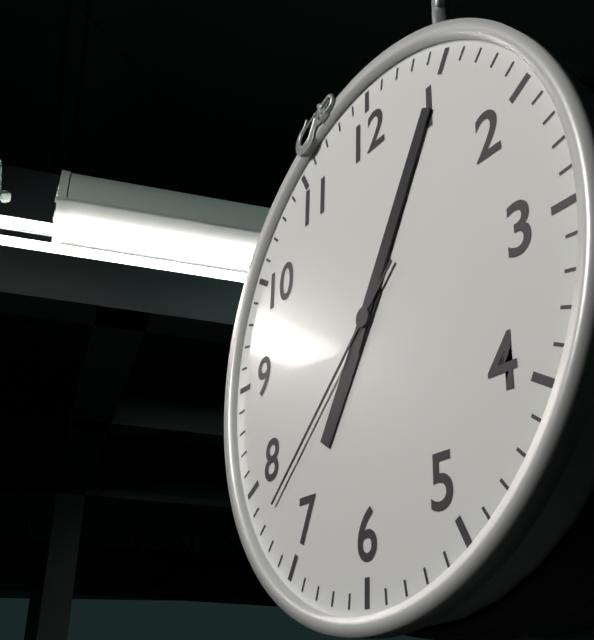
7:05:38
